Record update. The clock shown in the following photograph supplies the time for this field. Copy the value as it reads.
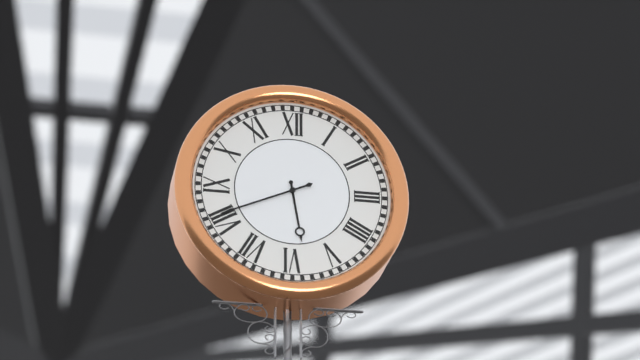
5:41
